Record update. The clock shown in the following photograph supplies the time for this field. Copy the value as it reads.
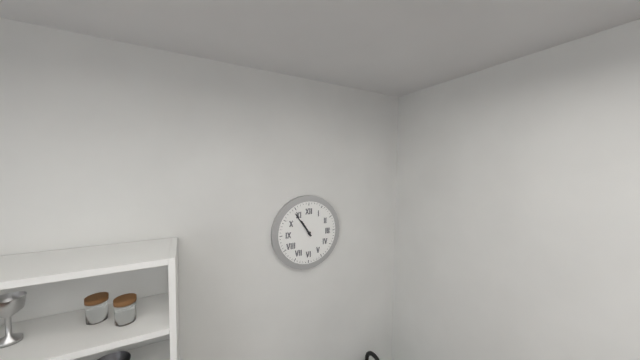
10:54
